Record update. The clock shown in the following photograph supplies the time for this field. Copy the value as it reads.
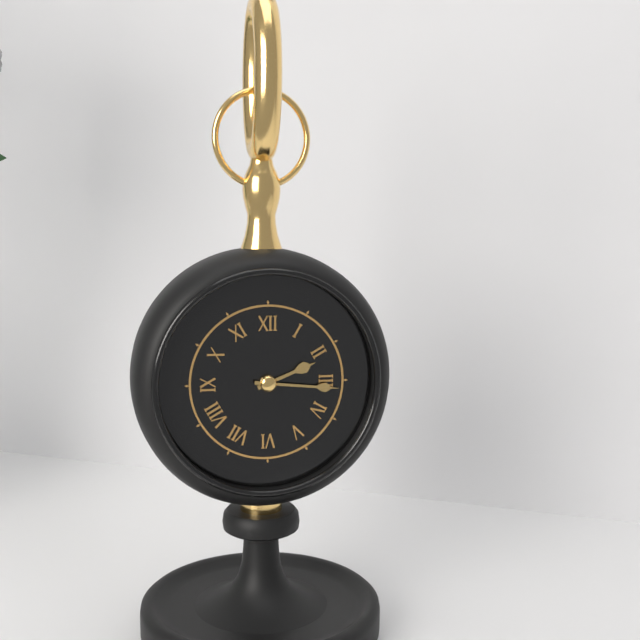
2:16
